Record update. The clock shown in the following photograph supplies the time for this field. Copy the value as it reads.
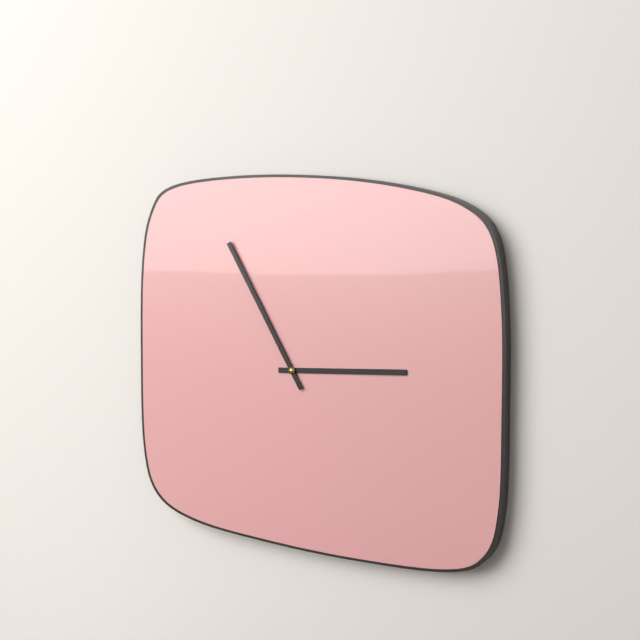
2:55
